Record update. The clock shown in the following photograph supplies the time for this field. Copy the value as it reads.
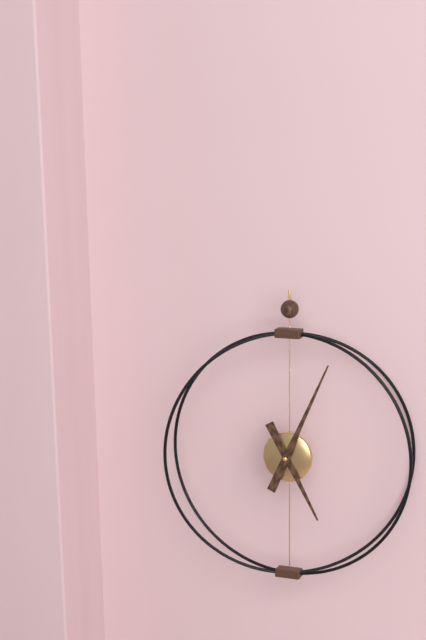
5:04
